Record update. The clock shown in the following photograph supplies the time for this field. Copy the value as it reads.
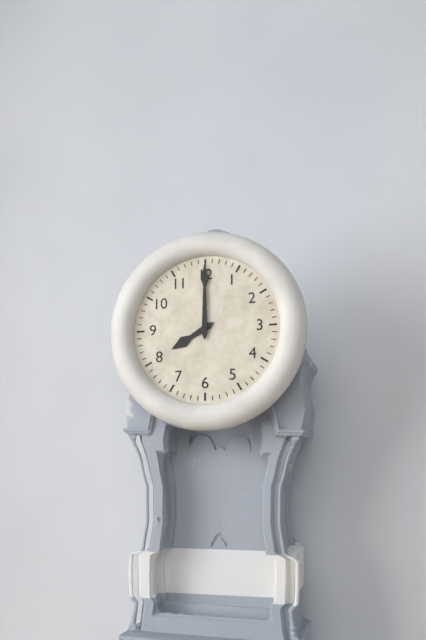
8:00
